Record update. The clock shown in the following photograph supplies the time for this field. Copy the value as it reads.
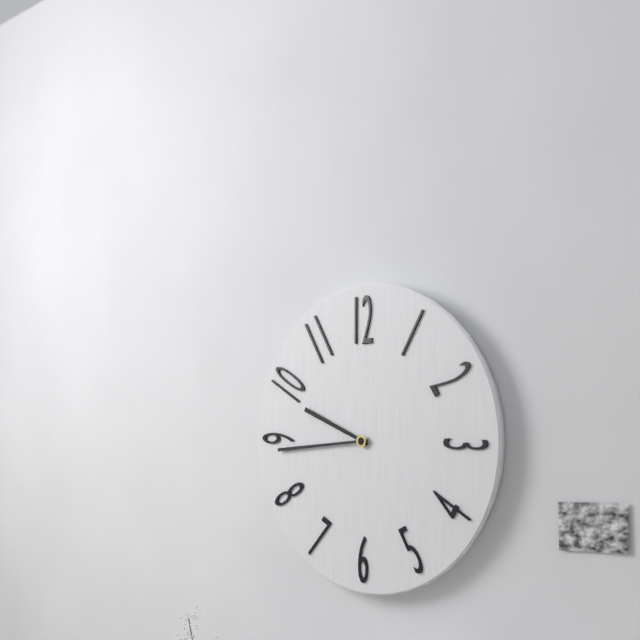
9:44
